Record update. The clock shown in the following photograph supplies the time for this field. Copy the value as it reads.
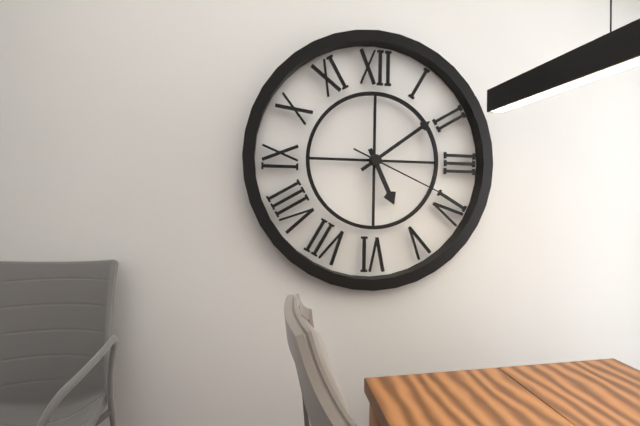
5:09:19
